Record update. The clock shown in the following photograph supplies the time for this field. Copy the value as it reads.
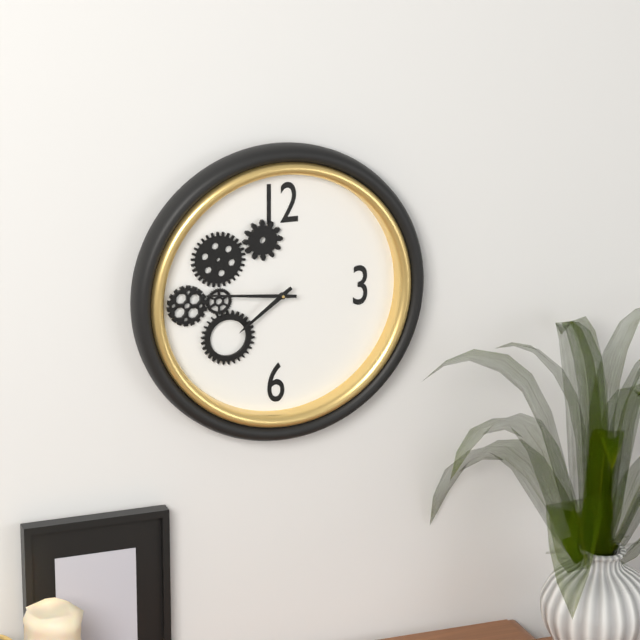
7:46
